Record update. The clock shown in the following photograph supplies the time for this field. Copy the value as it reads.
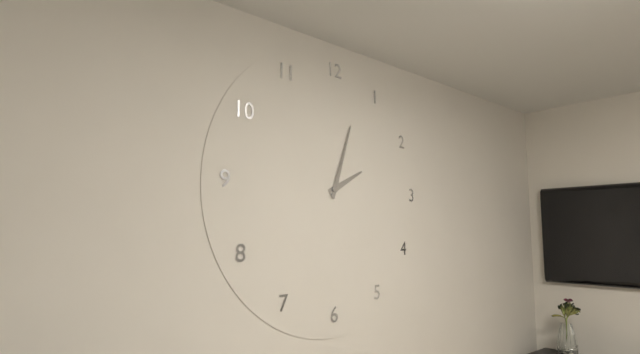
2:03
